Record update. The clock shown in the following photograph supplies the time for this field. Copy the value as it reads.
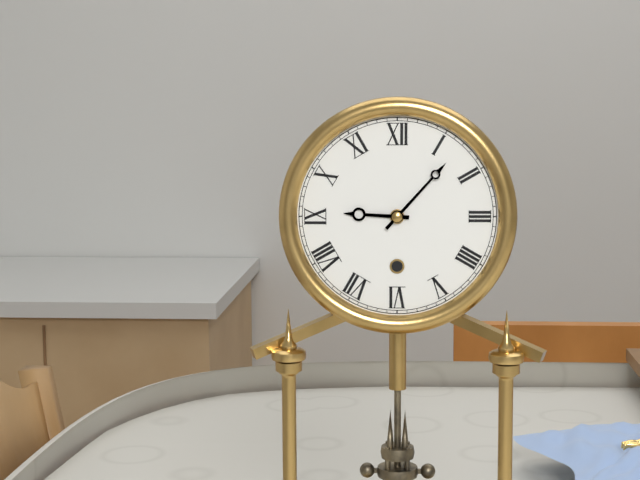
9:07
